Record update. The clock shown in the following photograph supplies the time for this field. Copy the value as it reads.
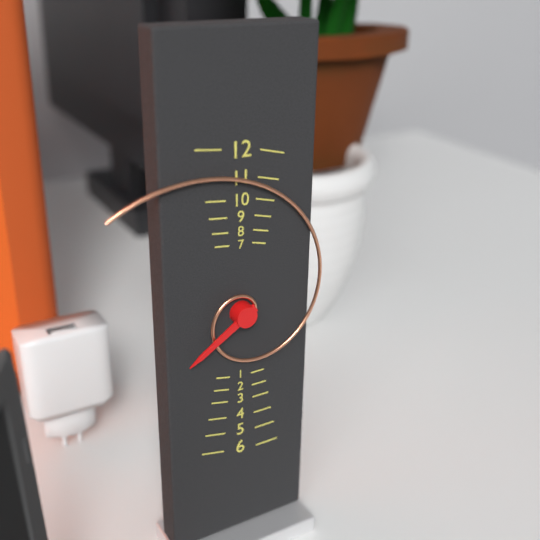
7:52
